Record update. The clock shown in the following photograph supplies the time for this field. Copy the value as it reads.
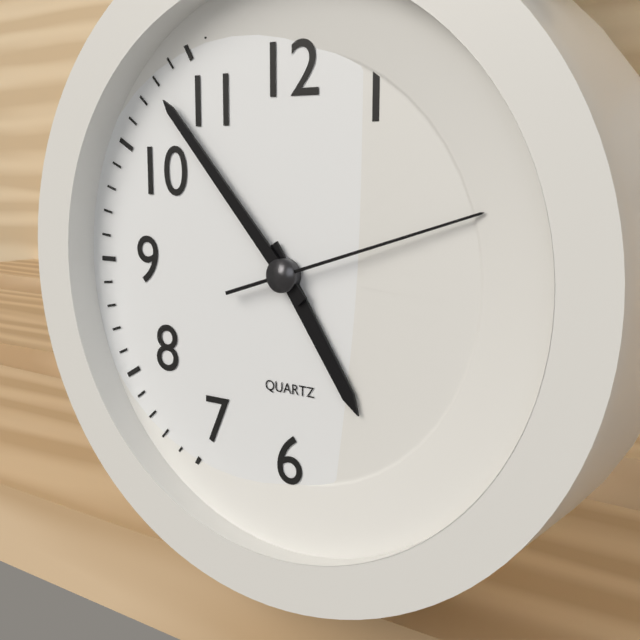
4:53:12
